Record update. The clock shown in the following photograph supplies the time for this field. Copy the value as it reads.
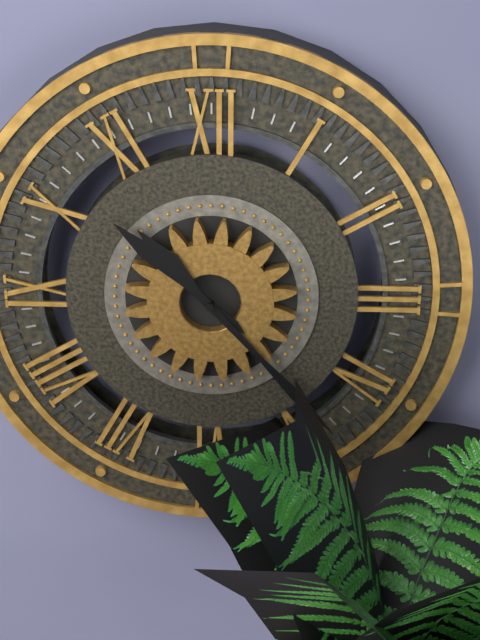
10:23
